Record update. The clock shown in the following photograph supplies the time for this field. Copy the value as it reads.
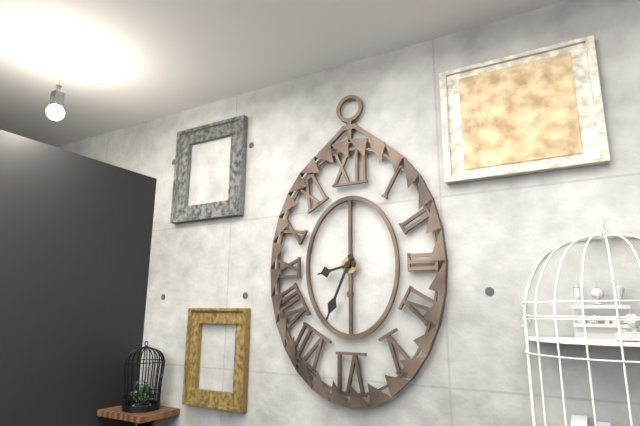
8:34
